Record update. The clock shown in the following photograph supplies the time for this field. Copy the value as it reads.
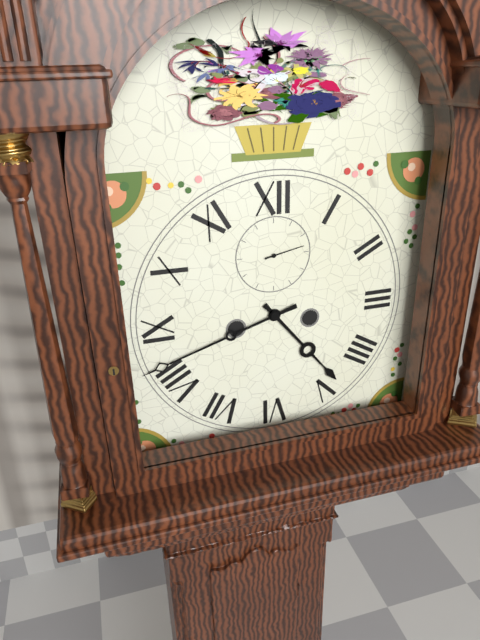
4:42
